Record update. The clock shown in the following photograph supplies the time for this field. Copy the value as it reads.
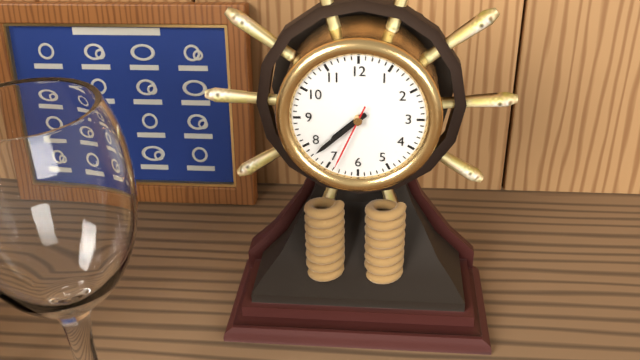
7:38:34
